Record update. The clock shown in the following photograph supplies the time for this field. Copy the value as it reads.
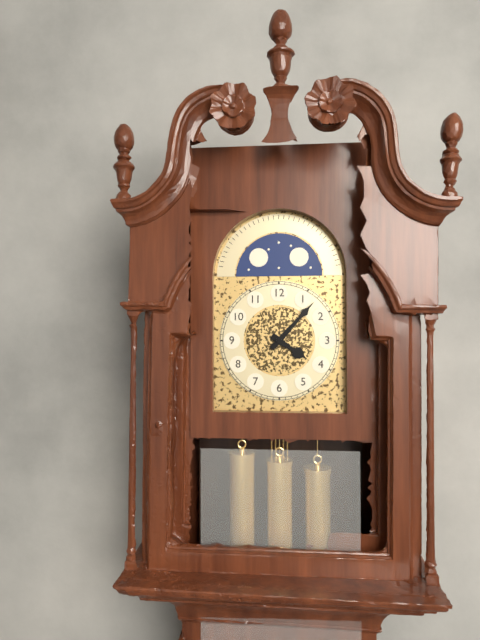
4:07
